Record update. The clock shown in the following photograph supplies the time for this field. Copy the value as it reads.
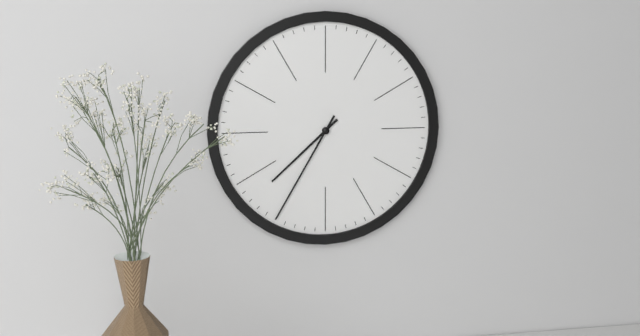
7:35
